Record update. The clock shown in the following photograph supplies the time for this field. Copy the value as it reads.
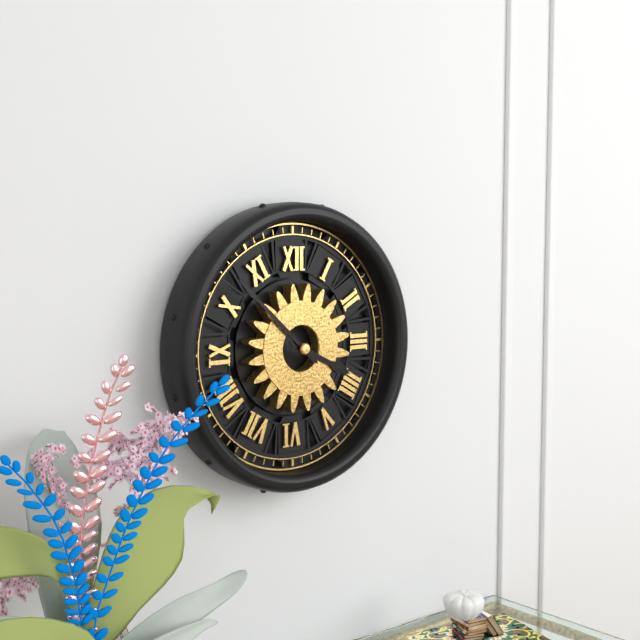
3:52
